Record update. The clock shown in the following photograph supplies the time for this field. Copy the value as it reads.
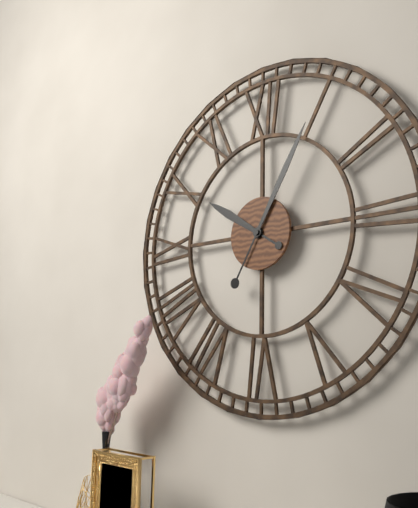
10:05
